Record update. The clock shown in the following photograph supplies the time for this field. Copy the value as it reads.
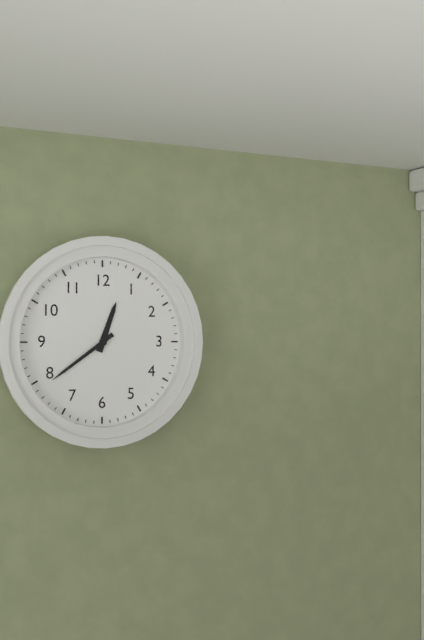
12:39
